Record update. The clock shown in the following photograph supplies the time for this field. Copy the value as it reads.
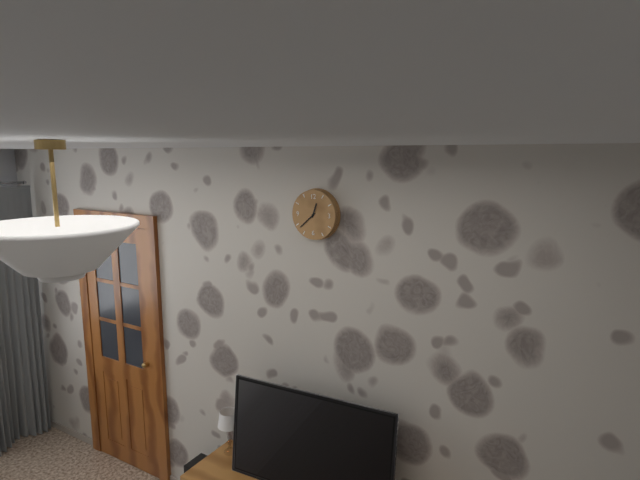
12:38
